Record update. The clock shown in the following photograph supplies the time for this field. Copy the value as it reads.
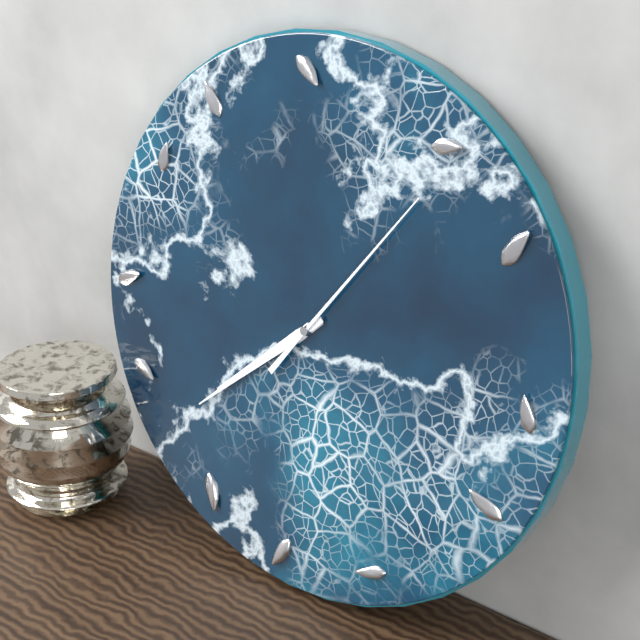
7:38:06
